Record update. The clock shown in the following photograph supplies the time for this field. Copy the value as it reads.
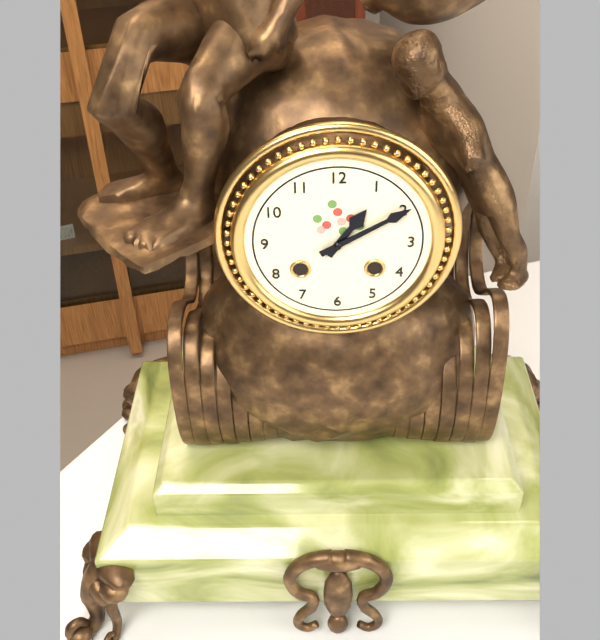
1:10
